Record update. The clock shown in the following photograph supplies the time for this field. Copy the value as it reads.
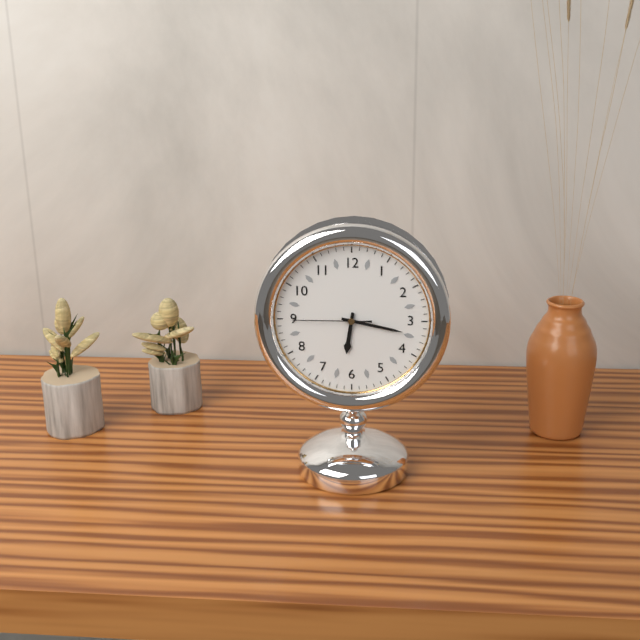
6:17:45
